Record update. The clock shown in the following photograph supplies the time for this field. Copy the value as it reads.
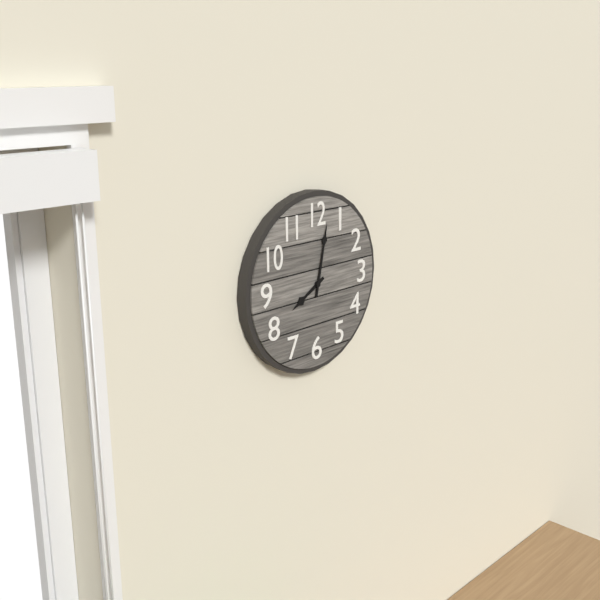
8:02
